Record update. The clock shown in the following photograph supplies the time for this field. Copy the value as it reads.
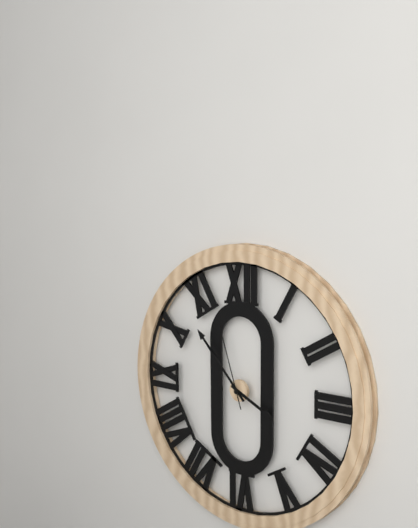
3:53:57
